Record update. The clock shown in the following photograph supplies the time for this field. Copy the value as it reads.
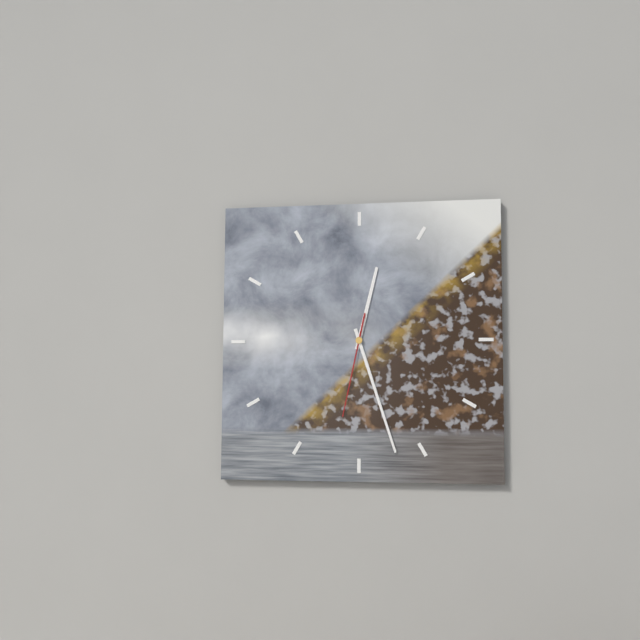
12:27:32
